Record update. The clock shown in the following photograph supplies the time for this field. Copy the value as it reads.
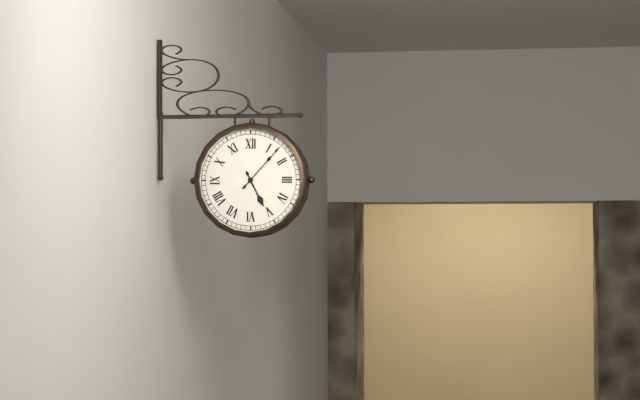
5:07
